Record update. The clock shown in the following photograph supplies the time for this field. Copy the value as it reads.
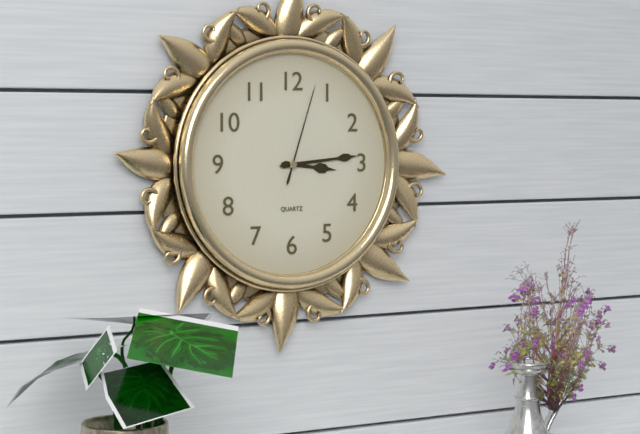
3:14:03
